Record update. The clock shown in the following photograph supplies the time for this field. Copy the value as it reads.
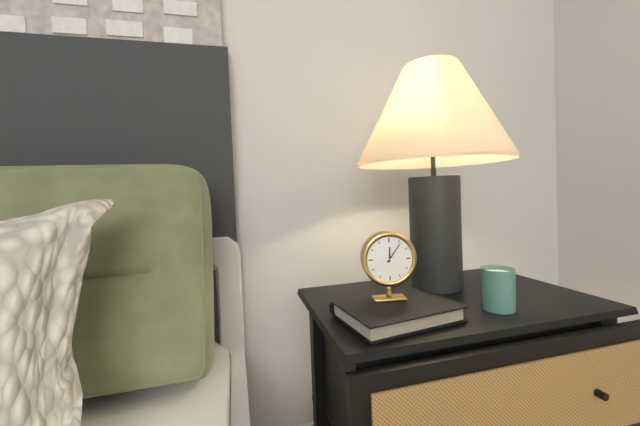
12:06
